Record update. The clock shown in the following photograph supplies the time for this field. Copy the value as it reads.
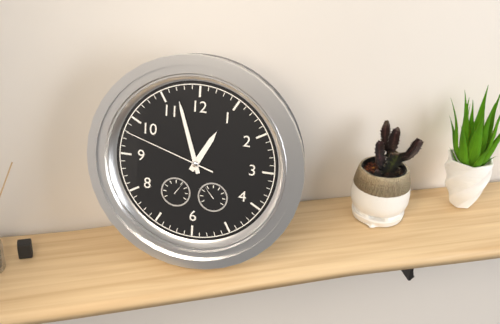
12:57:48
